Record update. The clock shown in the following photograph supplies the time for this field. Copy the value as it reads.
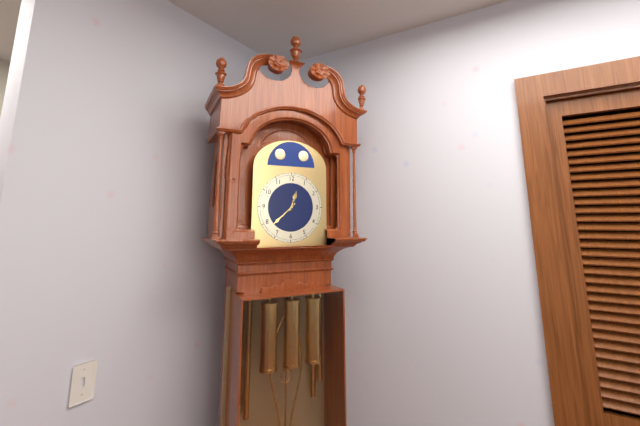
12:38
